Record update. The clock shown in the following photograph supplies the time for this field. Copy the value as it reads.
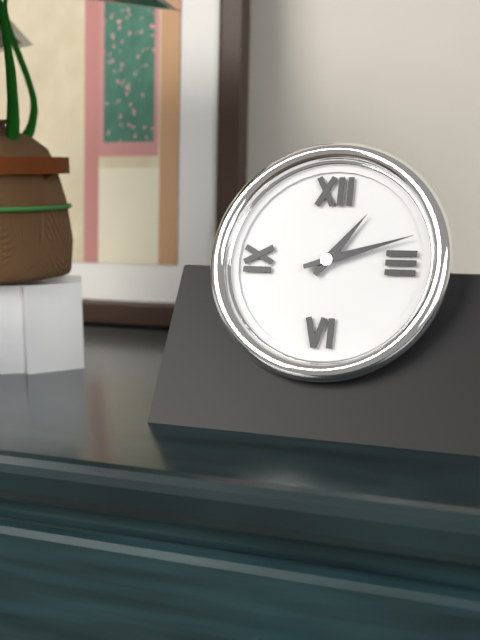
1:12
